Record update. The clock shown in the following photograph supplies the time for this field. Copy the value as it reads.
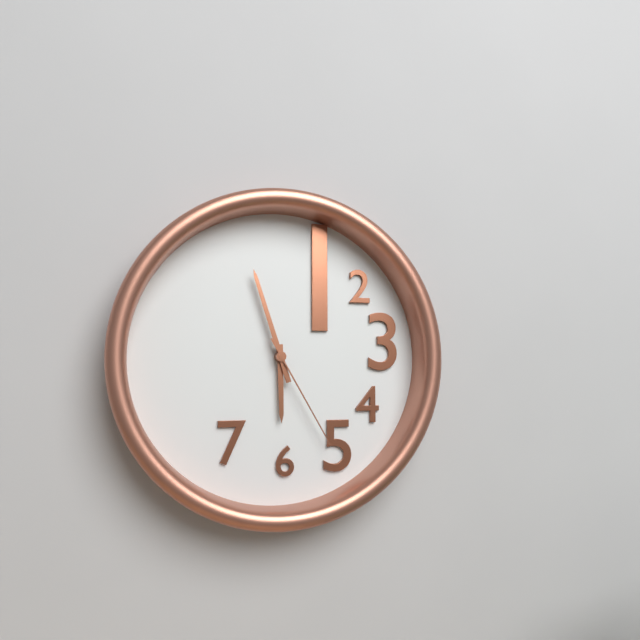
5:57:25
